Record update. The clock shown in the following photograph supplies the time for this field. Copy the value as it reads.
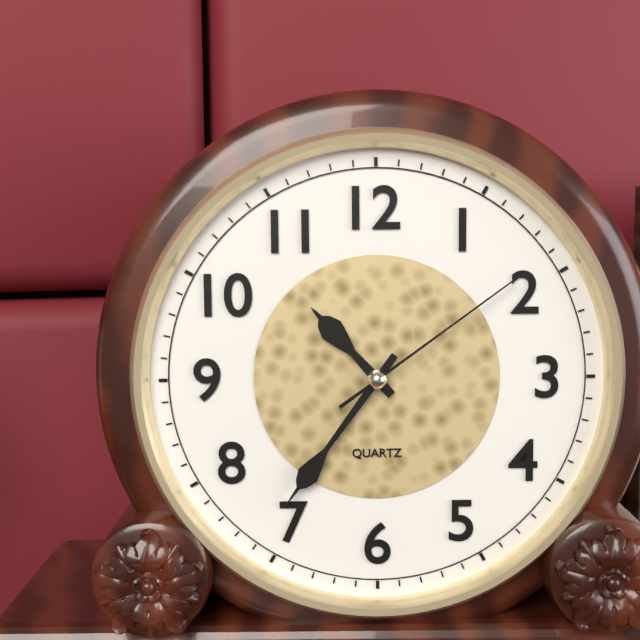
10:36:09
